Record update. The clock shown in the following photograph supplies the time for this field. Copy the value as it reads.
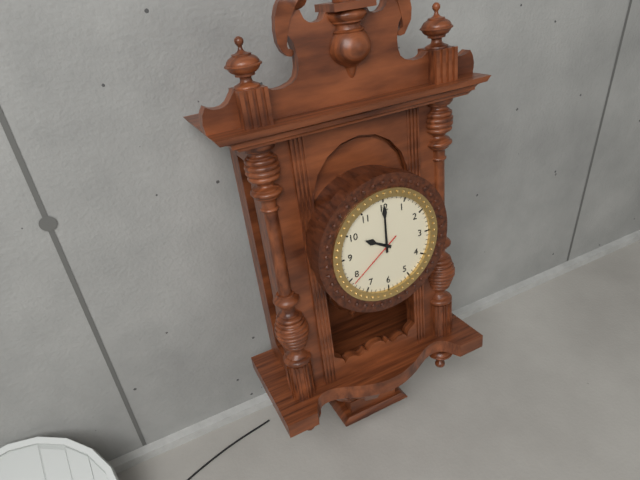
10:00:39
